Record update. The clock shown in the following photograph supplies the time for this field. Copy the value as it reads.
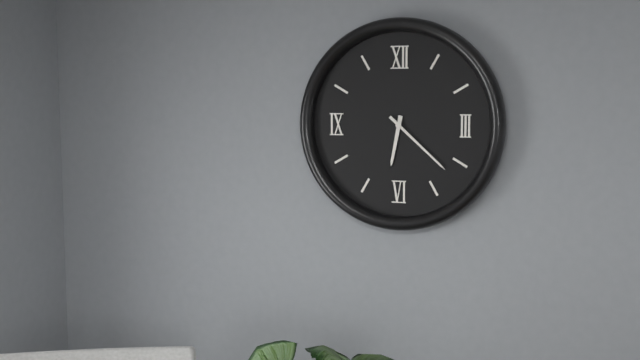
6:22
